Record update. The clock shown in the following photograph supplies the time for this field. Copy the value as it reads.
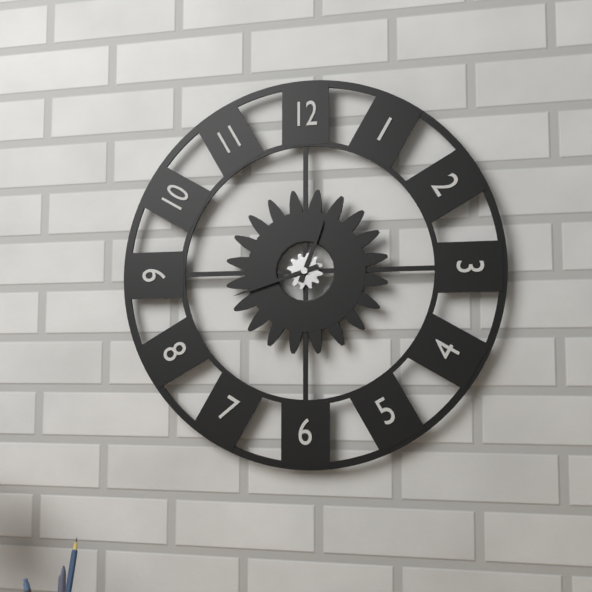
12:42
